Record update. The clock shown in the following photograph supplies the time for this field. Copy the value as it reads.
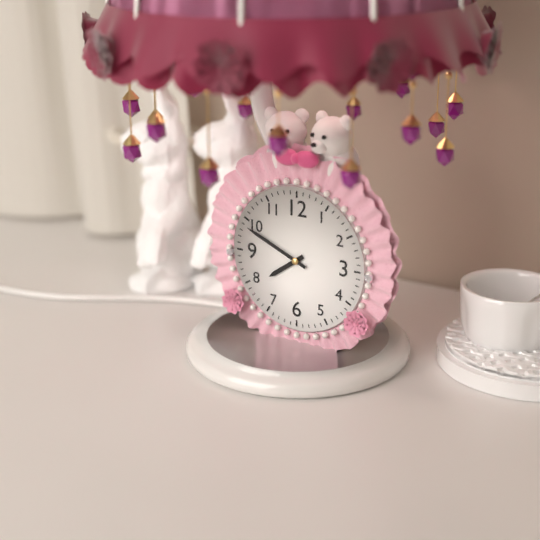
7:49
